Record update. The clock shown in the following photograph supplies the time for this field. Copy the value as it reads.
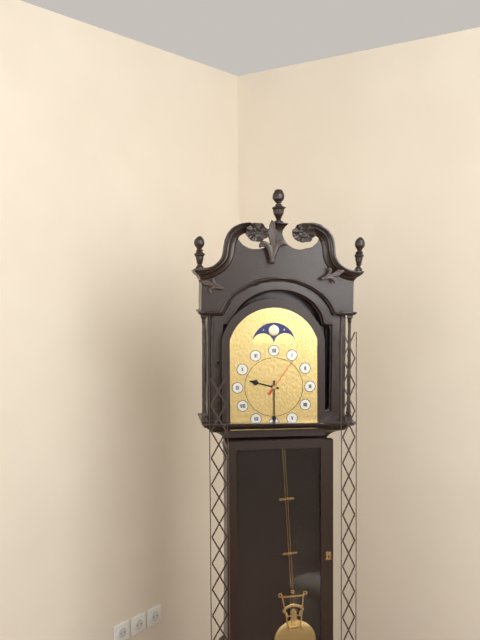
9:30
